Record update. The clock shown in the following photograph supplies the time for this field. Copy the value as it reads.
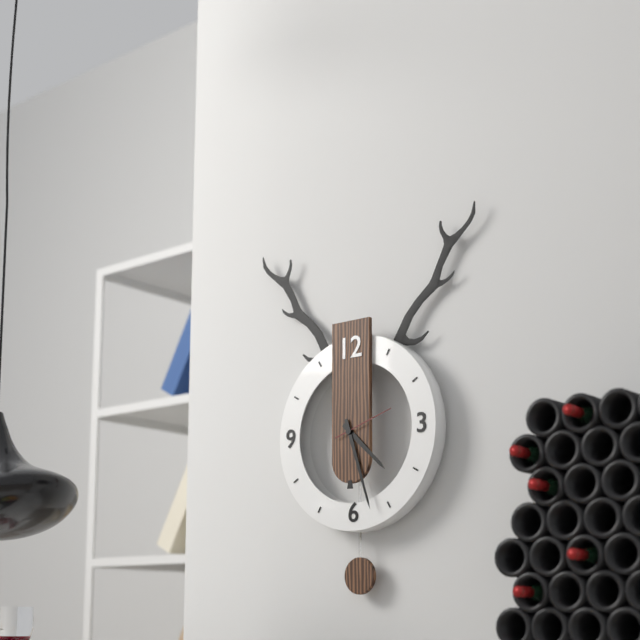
4:27:12
